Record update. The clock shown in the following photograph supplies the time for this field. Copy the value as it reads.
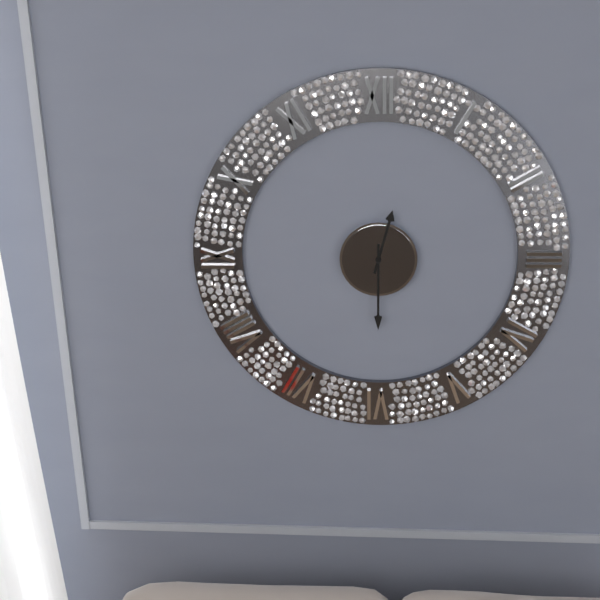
12:30
